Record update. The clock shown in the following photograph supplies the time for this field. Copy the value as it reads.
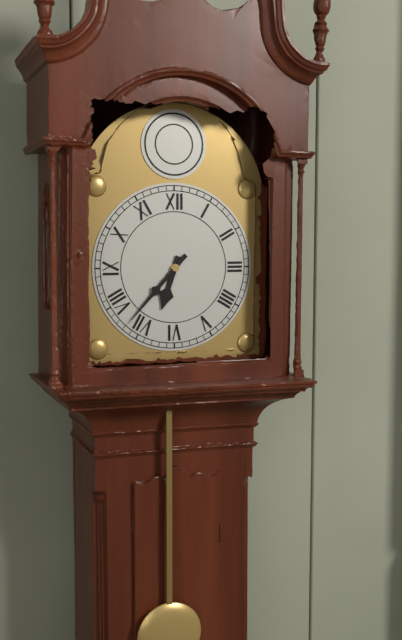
6:37
